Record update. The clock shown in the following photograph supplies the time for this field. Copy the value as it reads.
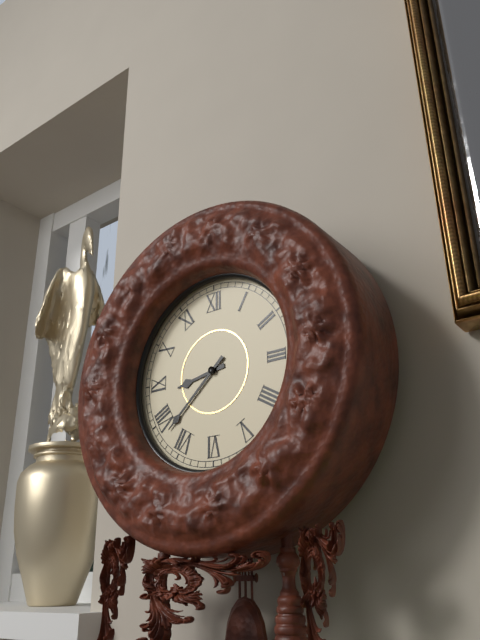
8:38
